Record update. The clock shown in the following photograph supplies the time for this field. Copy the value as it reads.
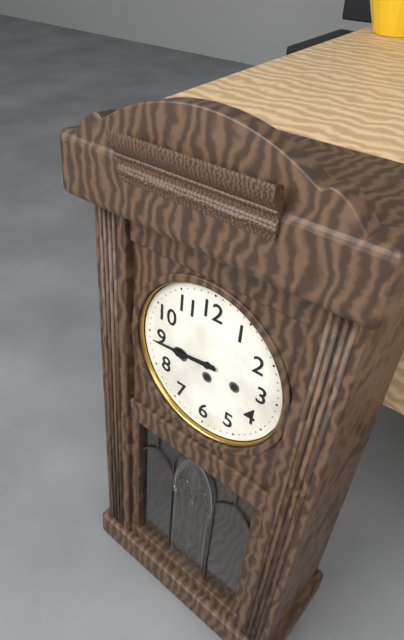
8:44
